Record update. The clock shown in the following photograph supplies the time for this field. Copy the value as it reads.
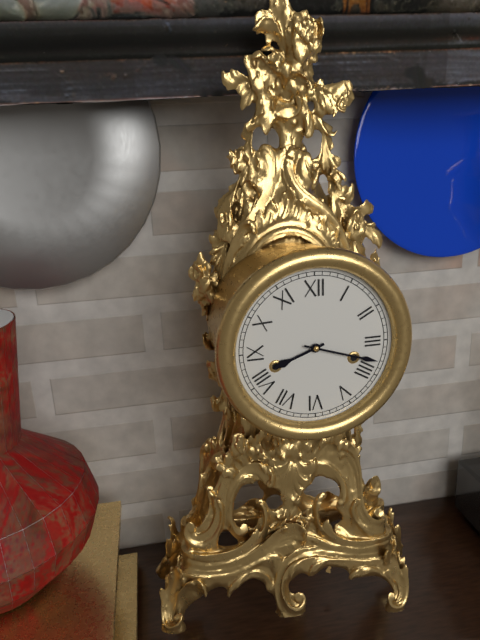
8:18
